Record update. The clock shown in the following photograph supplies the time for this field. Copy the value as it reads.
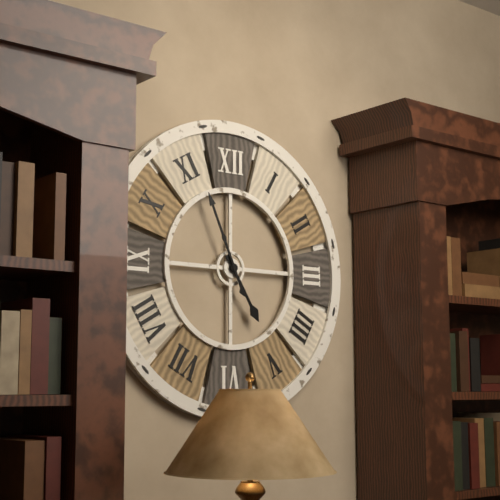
4:56
